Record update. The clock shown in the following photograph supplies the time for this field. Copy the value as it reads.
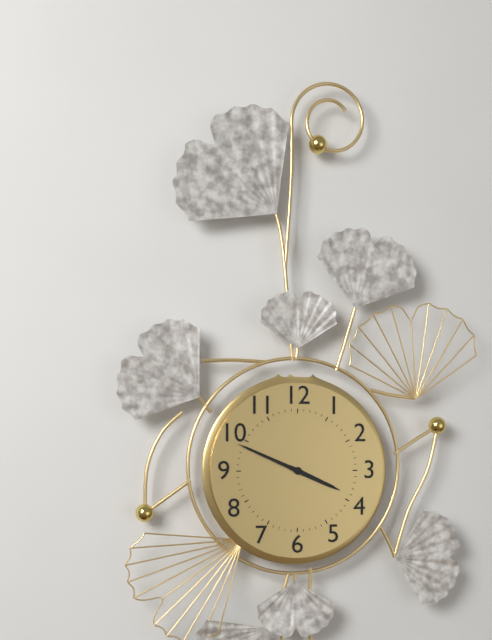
3:49
